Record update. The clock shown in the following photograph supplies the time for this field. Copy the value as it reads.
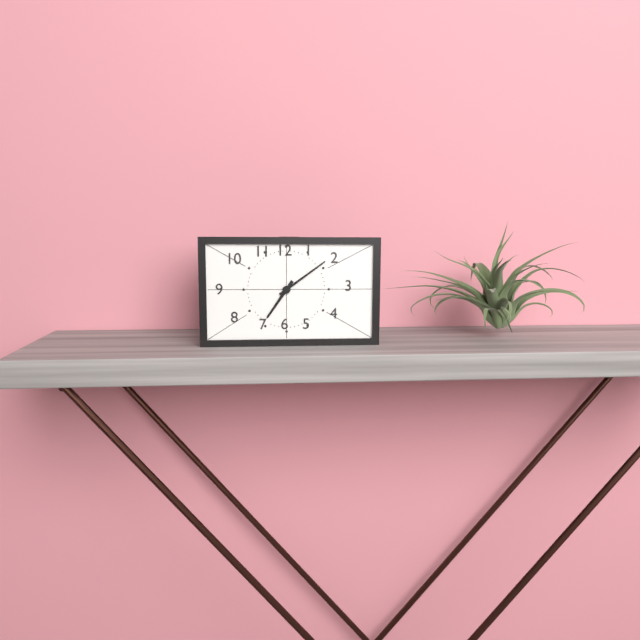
7:09
